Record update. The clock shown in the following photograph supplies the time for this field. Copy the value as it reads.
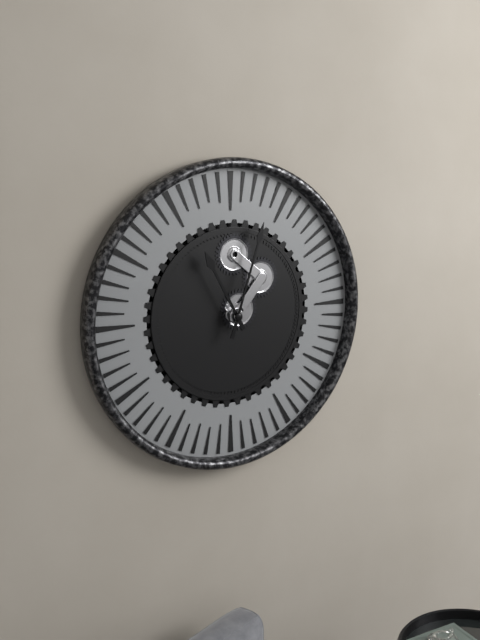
11:03
